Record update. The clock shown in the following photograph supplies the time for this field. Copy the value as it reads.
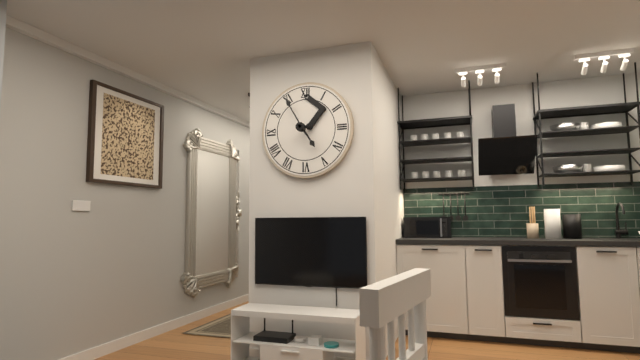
4:55
